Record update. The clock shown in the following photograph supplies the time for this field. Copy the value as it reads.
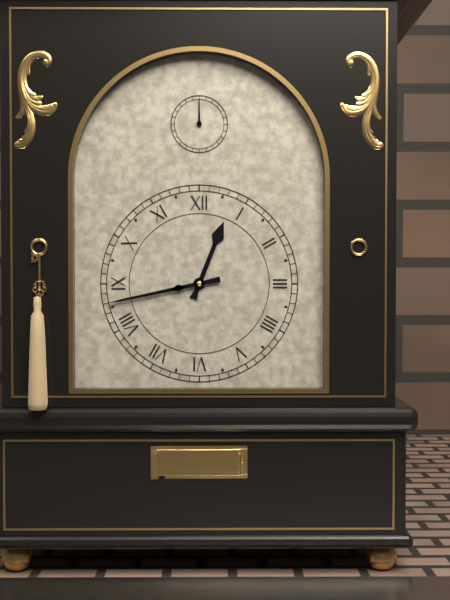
12:43
